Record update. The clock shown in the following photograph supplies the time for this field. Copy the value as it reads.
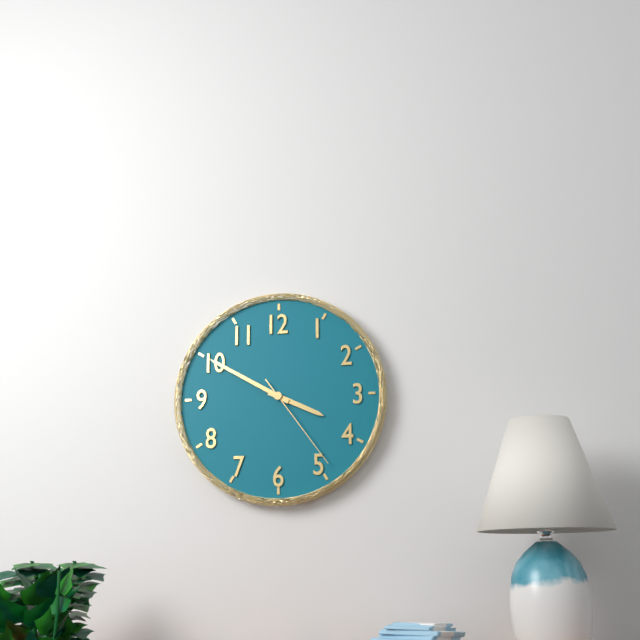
3:50:24
